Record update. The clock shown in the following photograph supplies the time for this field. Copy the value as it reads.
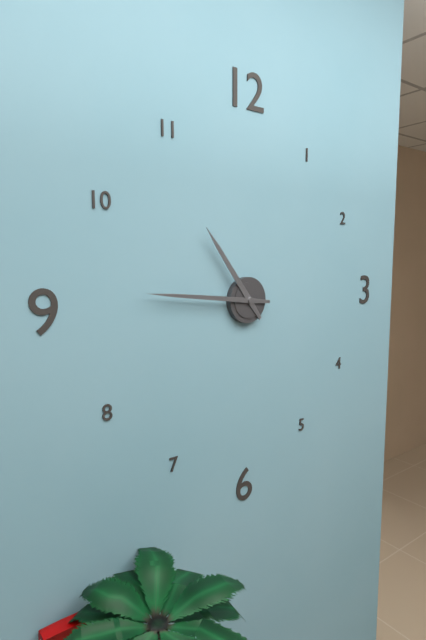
10:46
